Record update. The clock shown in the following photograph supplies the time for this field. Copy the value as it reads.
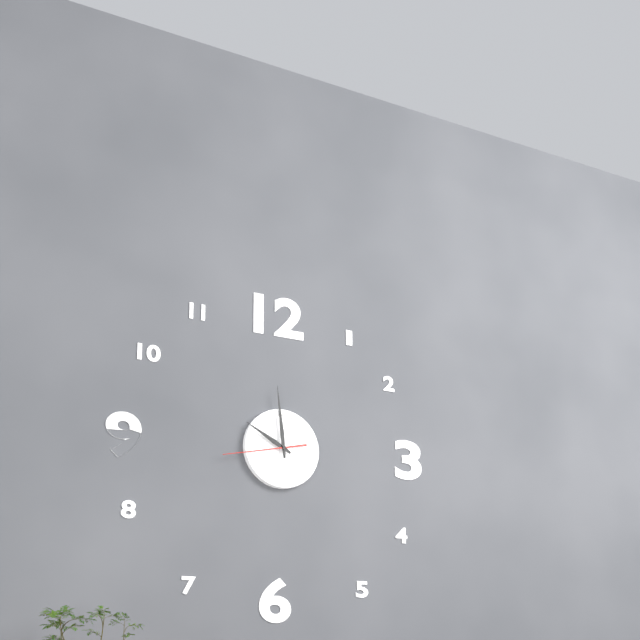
9:59:43
